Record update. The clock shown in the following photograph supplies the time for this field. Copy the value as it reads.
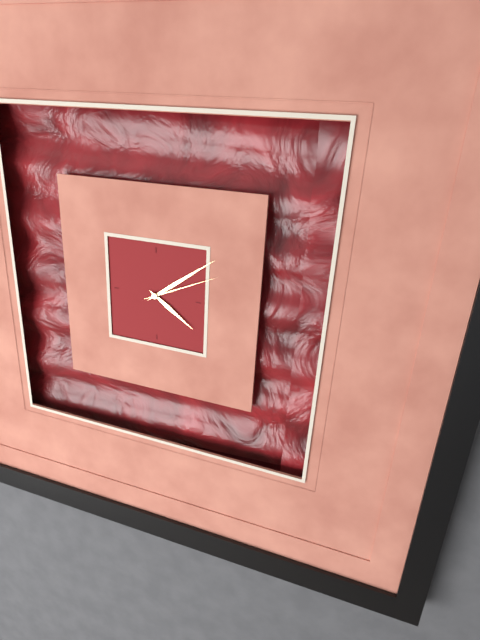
4:09:11
